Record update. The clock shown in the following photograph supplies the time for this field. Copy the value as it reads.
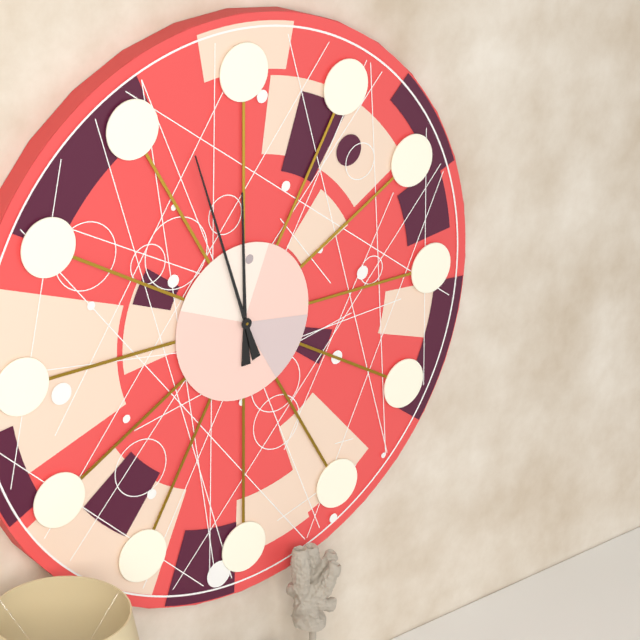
11:57
